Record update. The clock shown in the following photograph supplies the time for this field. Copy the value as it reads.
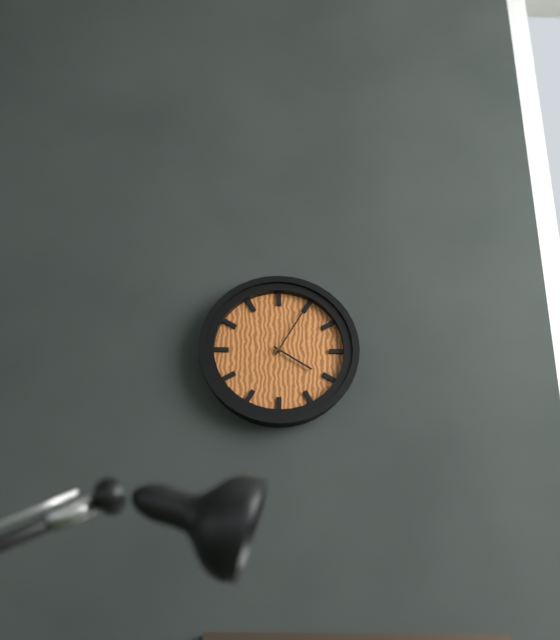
4:05
